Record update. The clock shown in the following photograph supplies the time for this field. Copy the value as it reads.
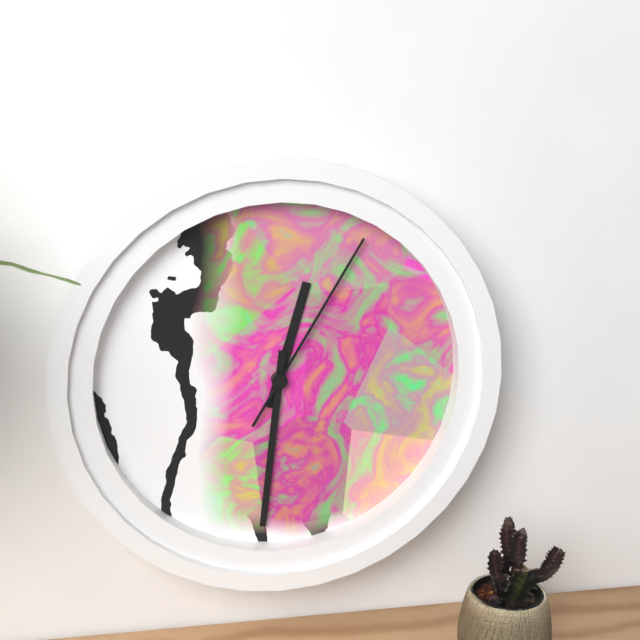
12:31:05
